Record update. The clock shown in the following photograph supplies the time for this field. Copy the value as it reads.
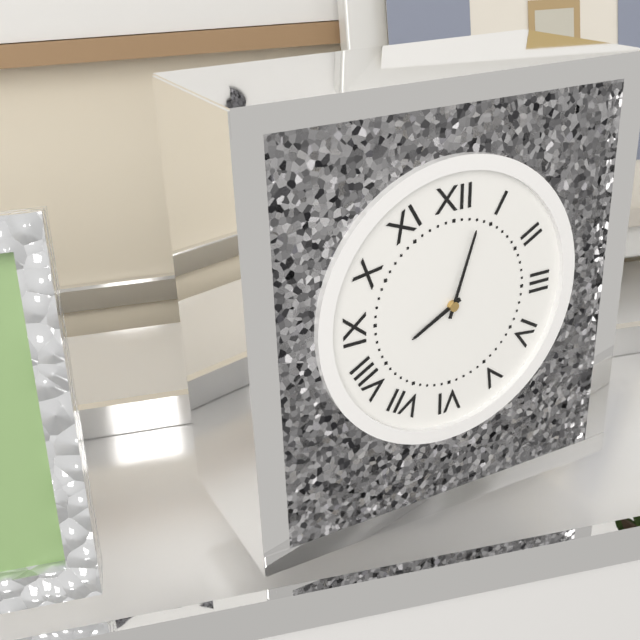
8:03
